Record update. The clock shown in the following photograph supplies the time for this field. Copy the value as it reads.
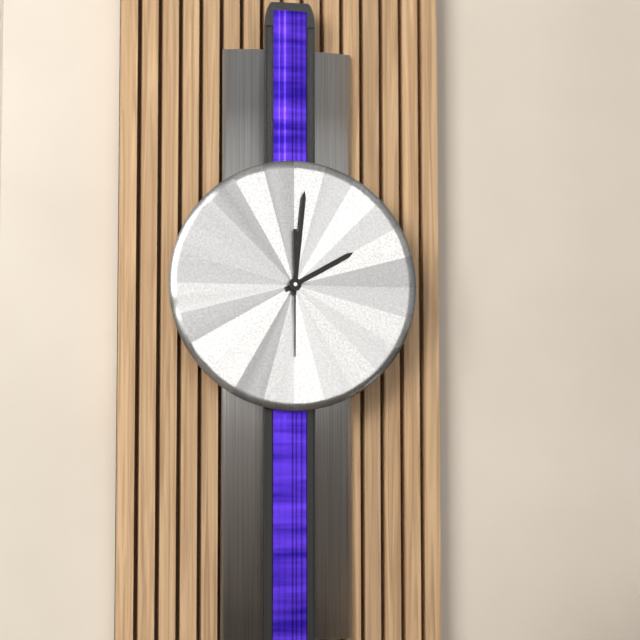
2:01:30
